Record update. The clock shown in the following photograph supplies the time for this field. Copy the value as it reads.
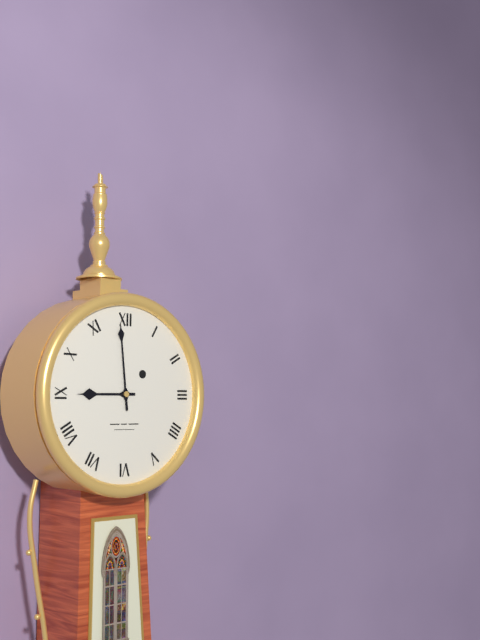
8:59
